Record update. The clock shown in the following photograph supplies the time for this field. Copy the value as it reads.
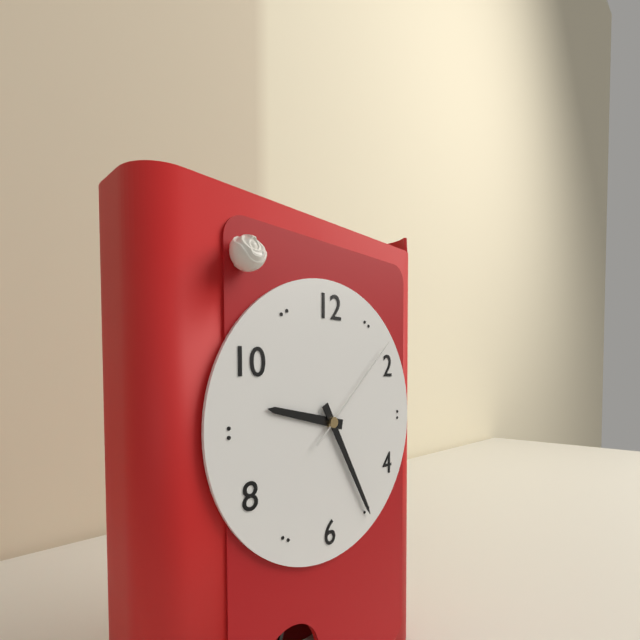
9:25:08
